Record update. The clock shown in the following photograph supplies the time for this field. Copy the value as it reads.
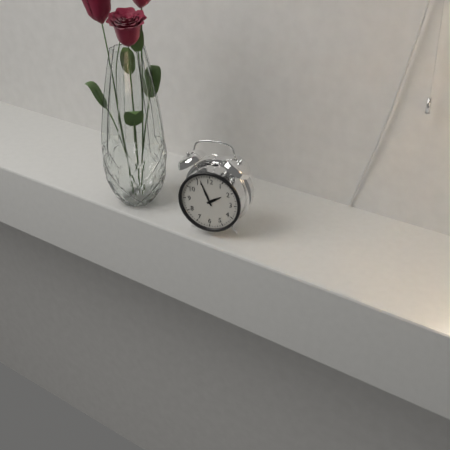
1:56
